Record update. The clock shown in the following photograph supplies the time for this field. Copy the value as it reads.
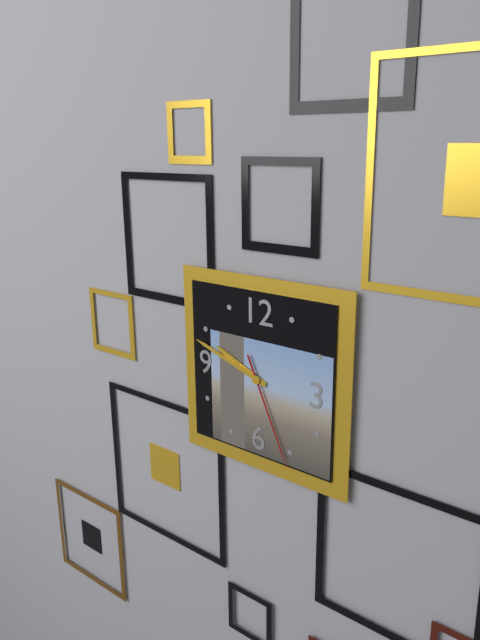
9:48:26
